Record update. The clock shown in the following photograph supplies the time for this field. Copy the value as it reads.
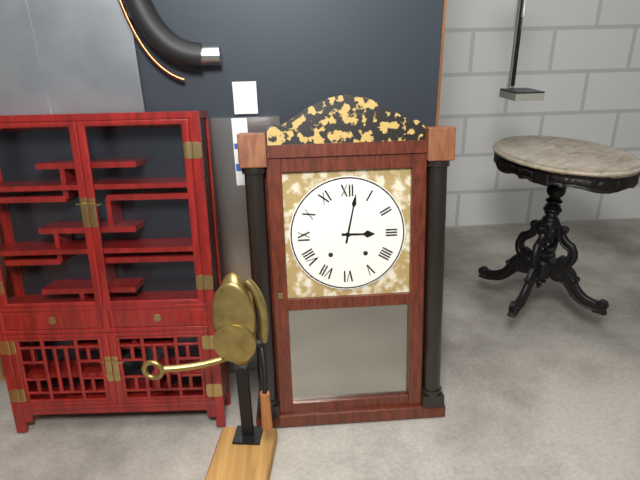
3:02
